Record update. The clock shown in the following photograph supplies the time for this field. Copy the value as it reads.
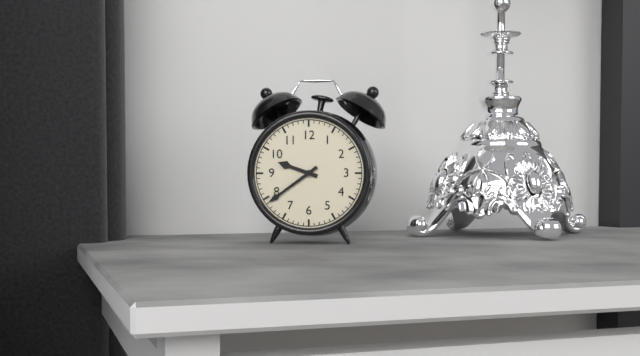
9:39
